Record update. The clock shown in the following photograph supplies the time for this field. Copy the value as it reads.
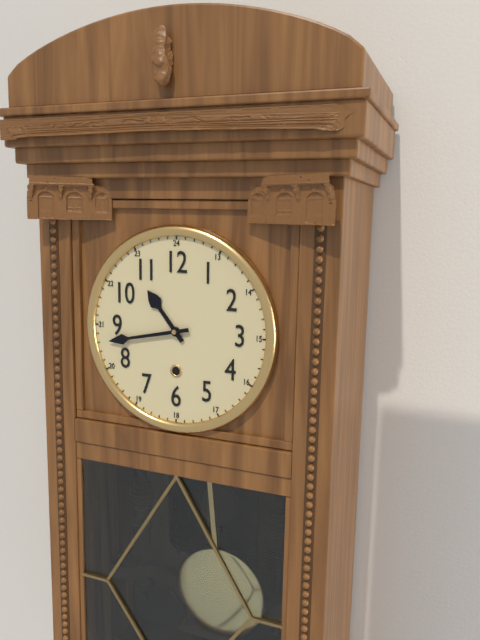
10:43
